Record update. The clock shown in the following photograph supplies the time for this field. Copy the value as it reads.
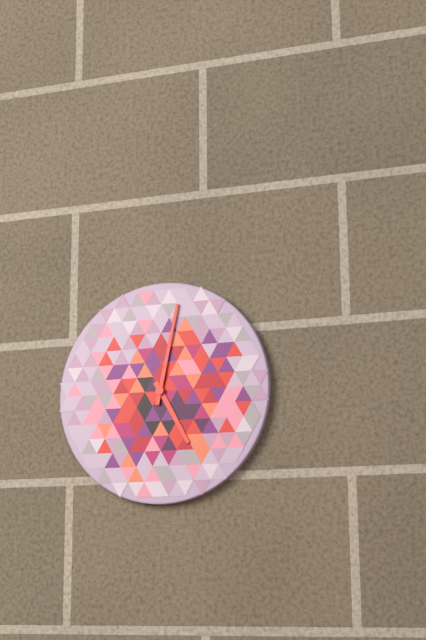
5:02
